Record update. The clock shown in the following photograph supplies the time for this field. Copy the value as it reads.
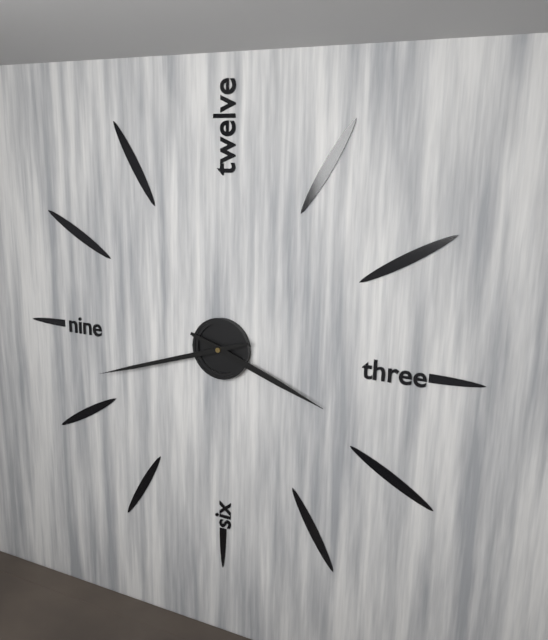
3:42
